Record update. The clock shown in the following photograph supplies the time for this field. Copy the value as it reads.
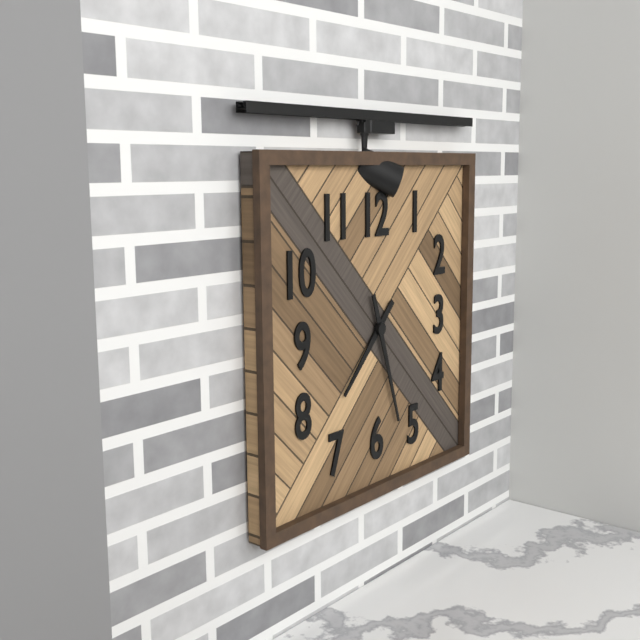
7:27
